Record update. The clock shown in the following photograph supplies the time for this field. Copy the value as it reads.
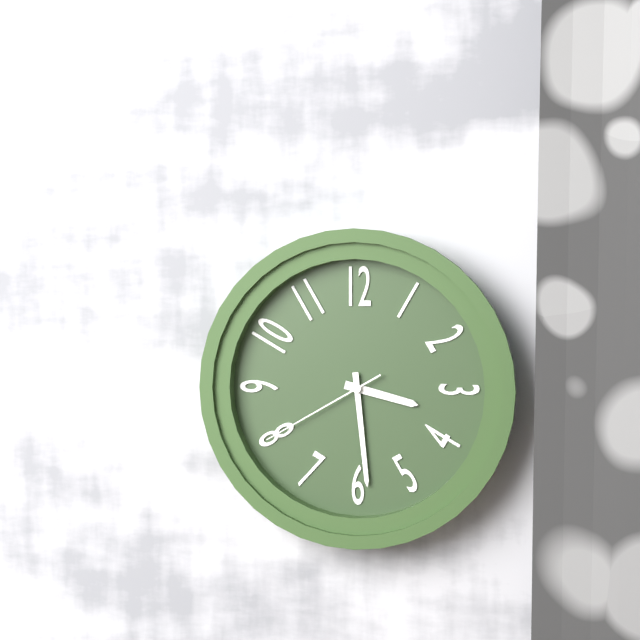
3:29:40
